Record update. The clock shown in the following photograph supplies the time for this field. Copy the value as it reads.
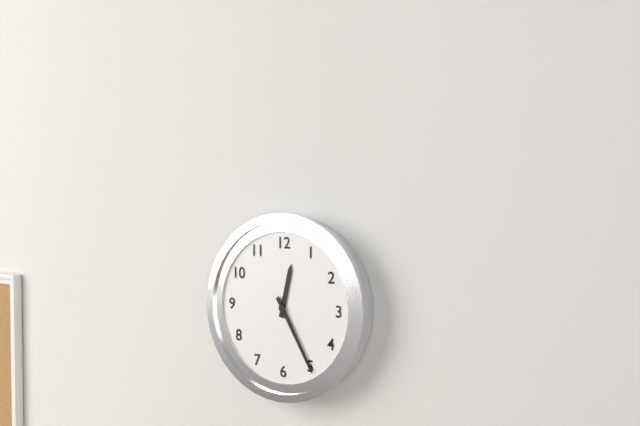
12:25
